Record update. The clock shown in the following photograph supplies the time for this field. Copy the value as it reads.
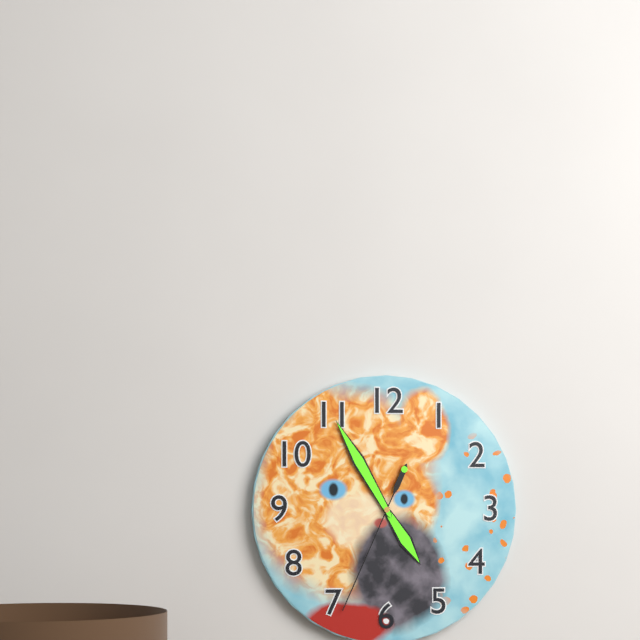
4:55:34
